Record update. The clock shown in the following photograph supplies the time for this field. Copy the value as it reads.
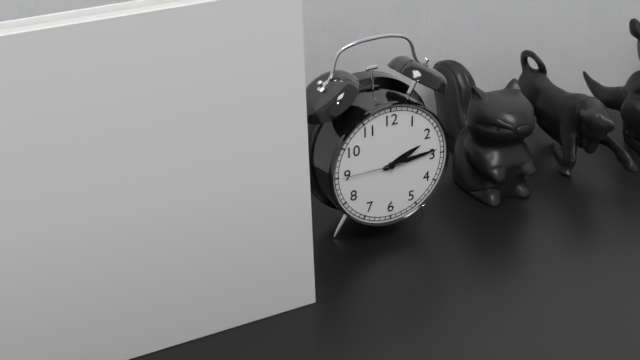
2:14:45
